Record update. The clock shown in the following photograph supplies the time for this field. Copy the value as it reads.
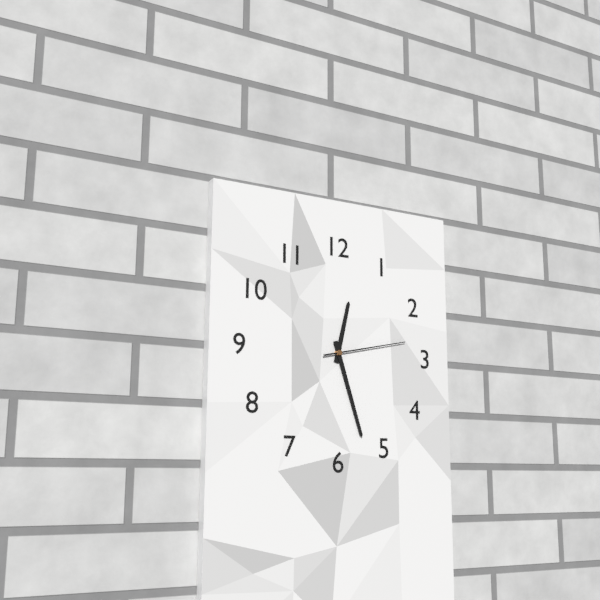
12:27:13
